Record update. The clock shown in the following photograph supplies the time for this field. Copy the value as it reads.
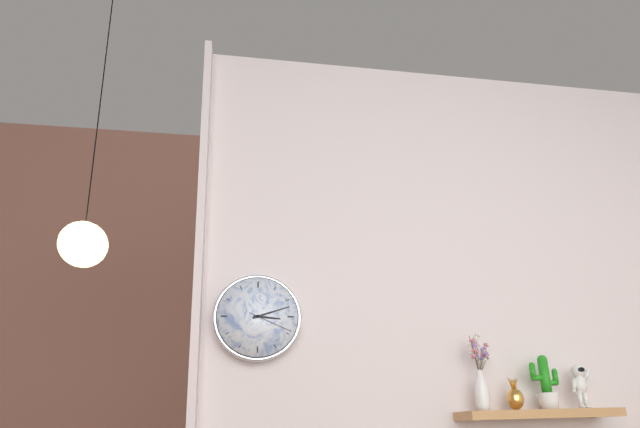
3:12
